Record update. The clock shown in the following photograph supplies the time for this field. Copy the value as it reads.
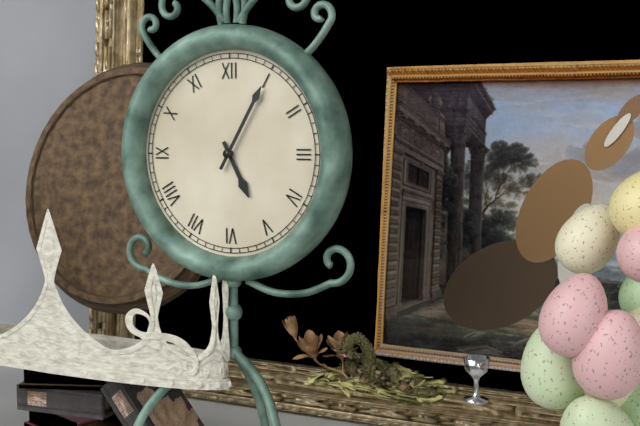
5:05
